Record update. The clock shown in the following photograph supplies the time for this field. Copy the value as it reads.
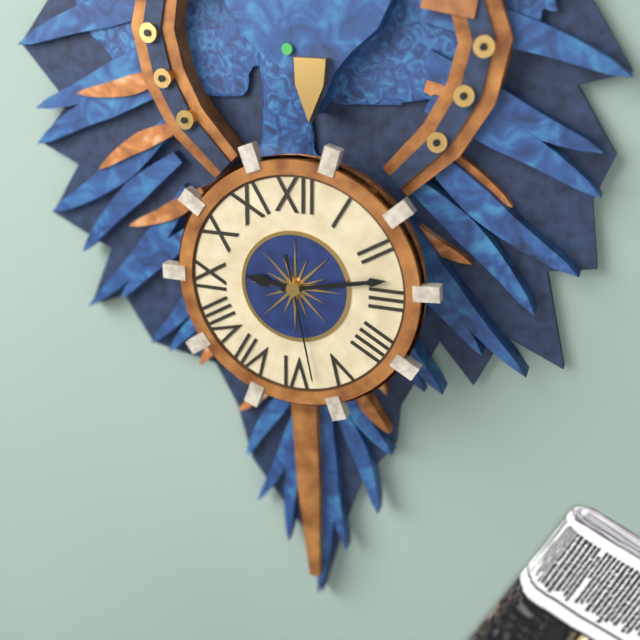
9:13:28
